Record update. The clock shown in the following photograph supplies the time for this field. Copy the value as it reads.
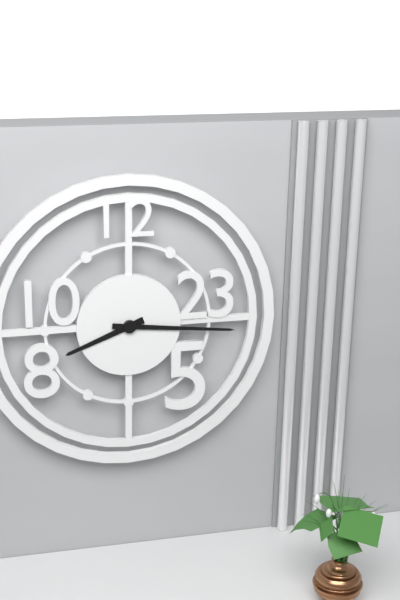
8:16
